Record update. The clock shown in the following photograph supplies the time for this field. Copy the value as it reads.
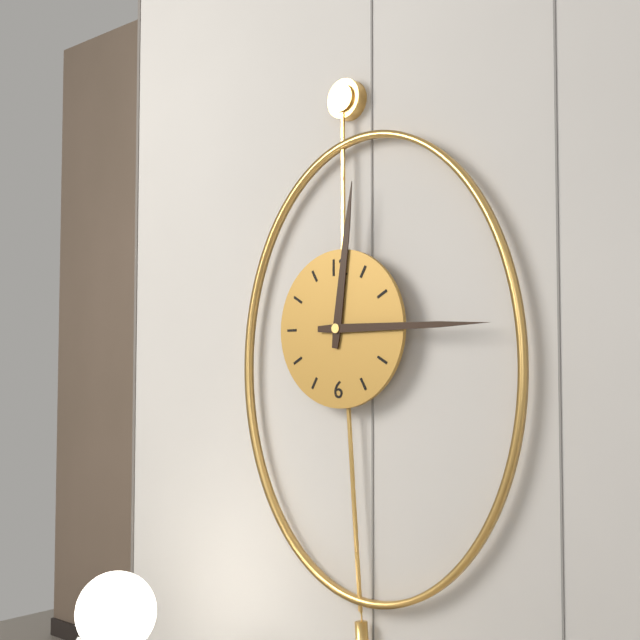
12:15
